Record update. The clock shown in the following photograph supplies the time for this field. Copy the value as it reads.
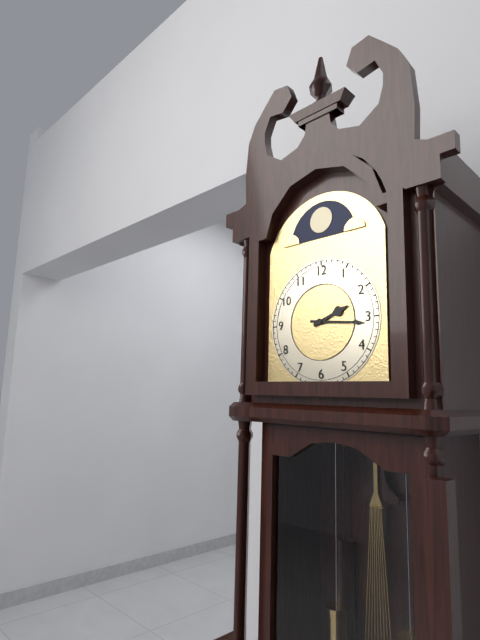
2:16
